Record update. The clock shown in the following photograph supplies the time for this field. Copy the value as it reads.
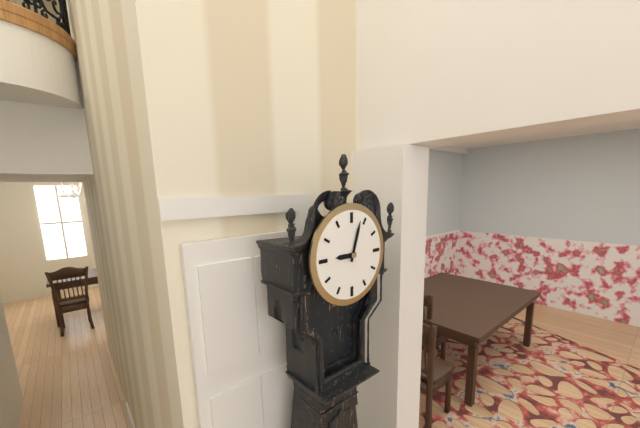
9:03
